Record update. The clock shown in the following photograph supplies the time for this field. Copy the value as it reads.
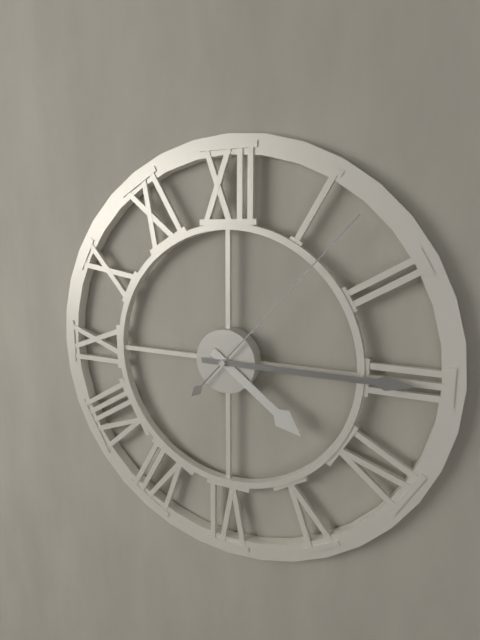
4:15:07
